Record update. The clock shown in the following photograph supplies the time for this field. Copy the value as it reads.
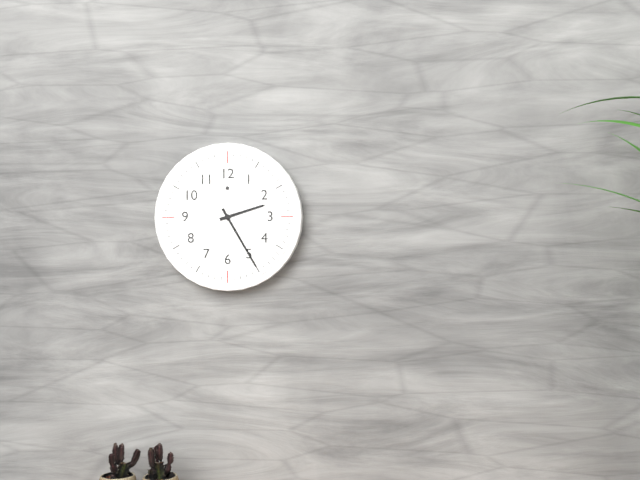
2:25
